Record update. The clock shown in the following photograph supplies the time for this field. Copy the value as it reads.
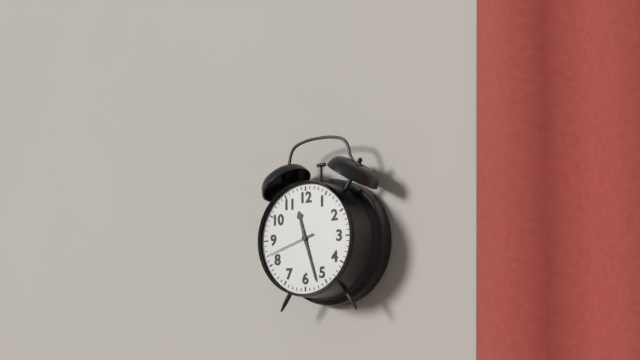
11:27:42
